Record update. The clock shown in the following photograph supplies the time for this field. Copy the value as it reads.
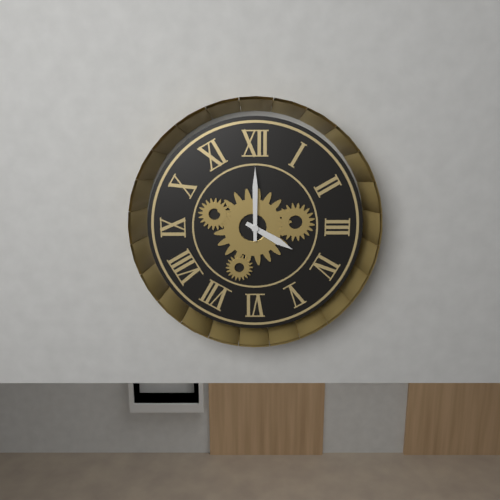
4:00
